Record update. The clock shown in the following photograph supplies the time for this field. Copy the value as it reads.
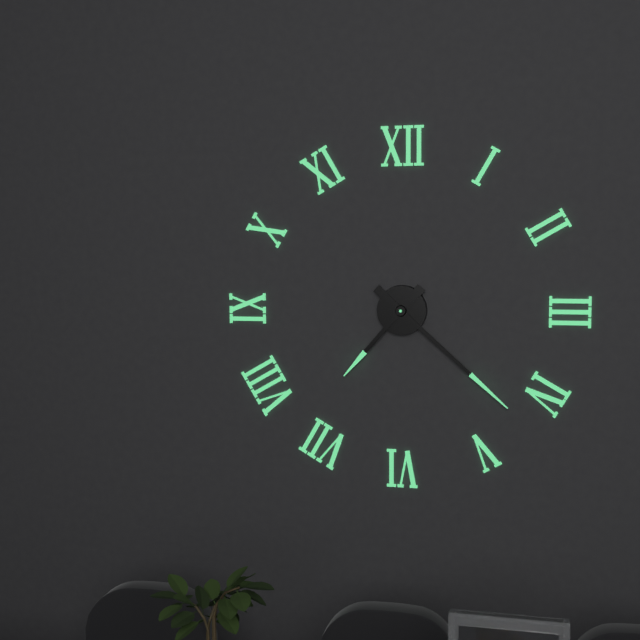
7:22
